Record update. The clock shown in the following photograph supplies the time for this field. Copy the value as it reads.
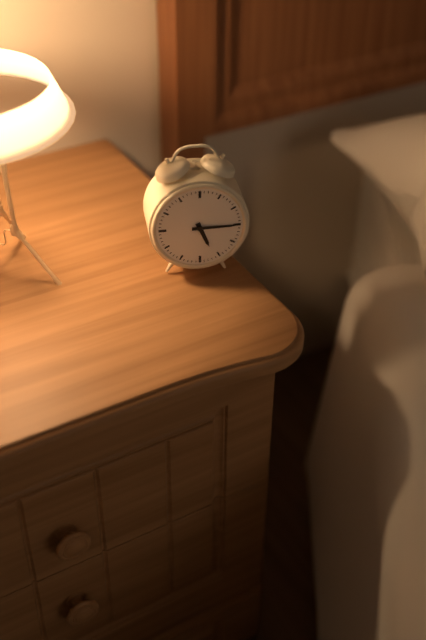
5:15
